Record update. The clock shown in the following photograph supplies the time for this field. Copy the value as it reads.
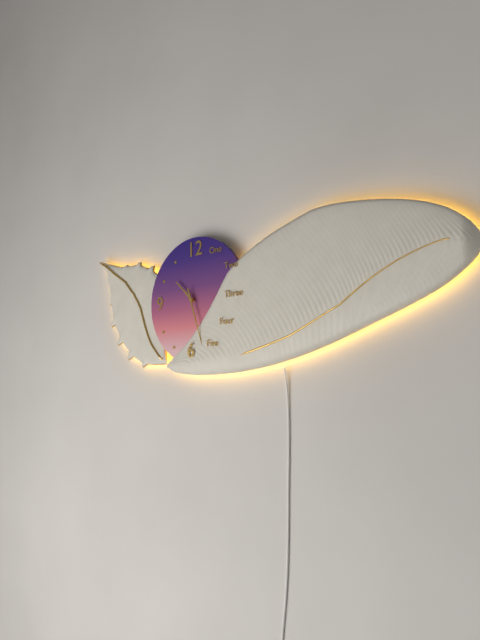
10:27
